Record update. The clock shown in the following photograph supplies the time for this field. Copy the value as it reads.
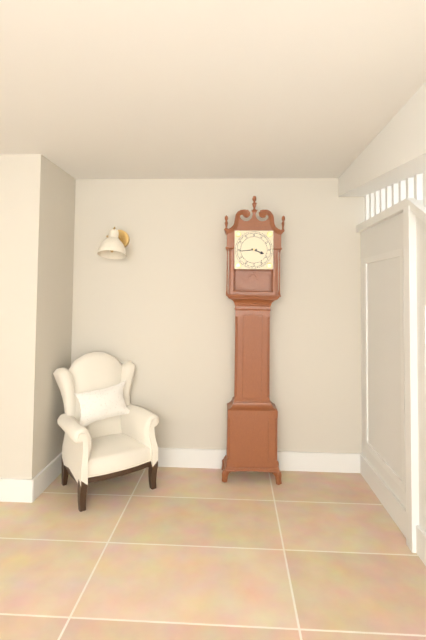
3:44
